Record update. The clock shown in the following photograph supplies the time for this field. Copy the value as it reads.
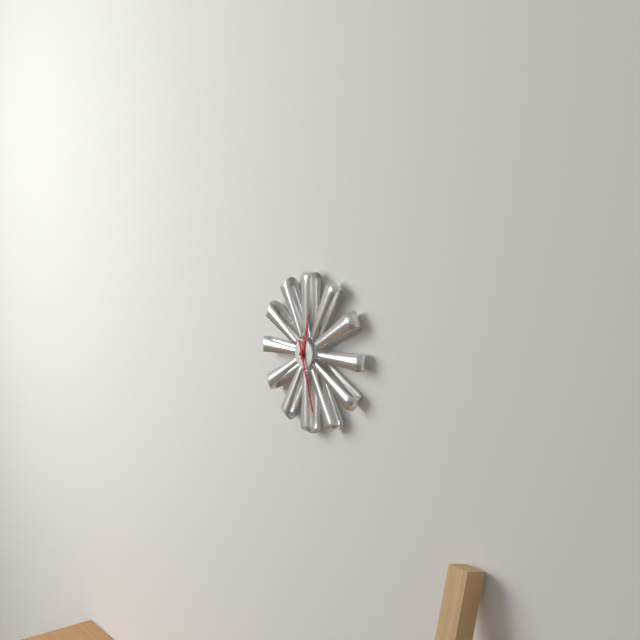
12:27
